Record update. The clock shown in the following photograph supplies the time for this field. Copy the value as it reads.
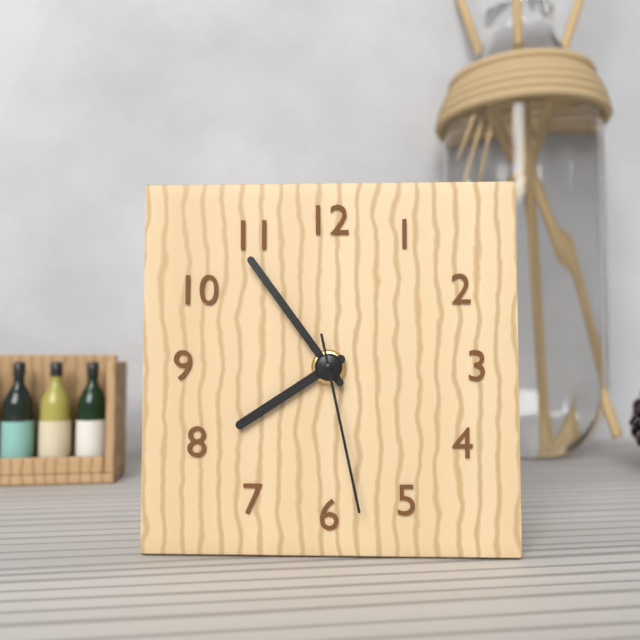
7:54:28
